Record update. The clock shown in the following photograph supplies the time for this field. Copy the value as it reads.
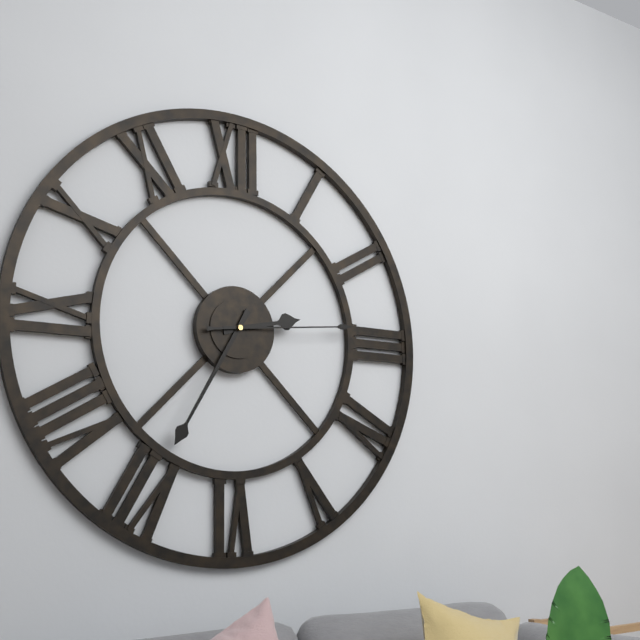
2:35:14
